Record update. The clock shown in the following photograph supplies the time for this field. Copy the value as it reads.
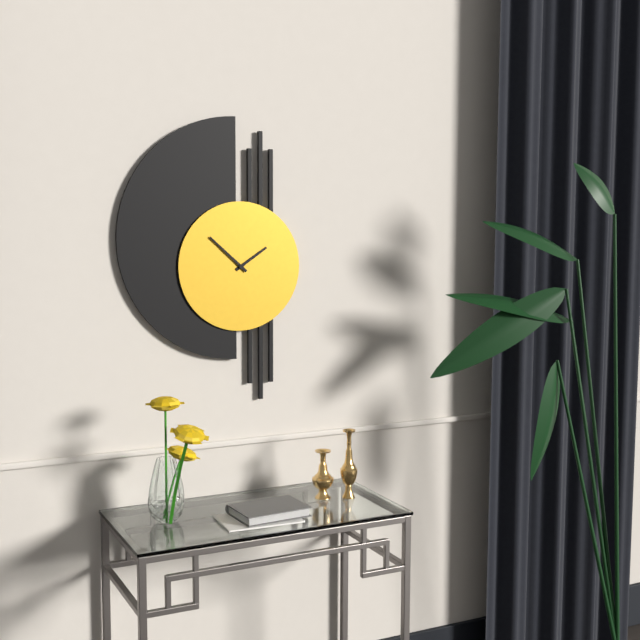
1:52
